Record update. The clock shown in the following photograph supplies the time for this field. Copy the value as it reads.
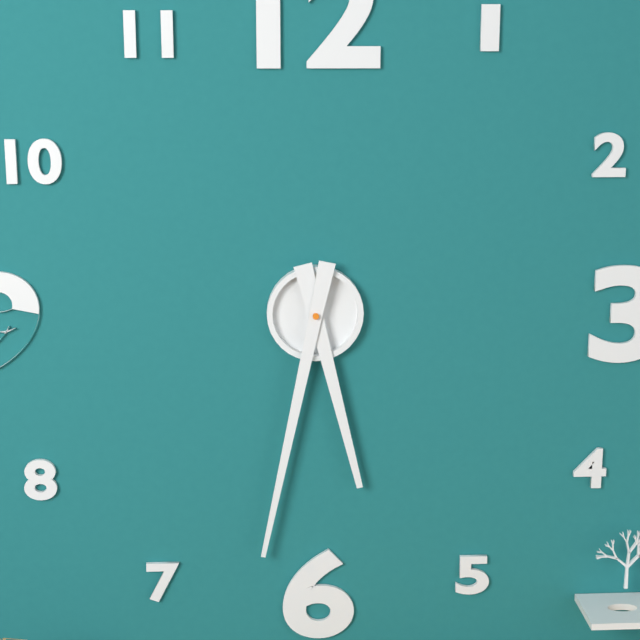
5:32
